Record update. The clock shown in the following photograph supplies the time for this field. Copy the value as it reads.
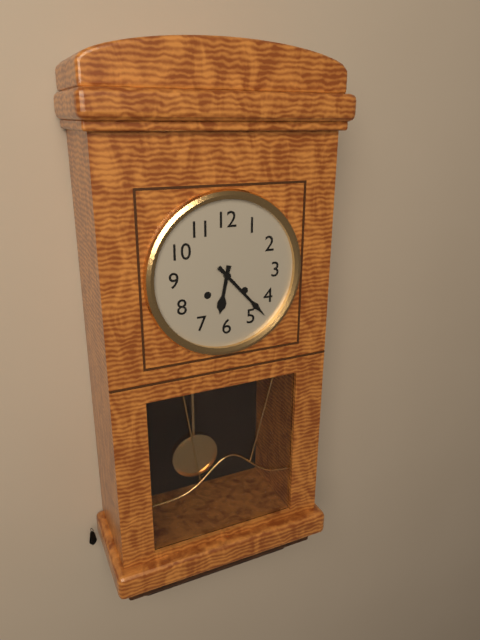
6:23
